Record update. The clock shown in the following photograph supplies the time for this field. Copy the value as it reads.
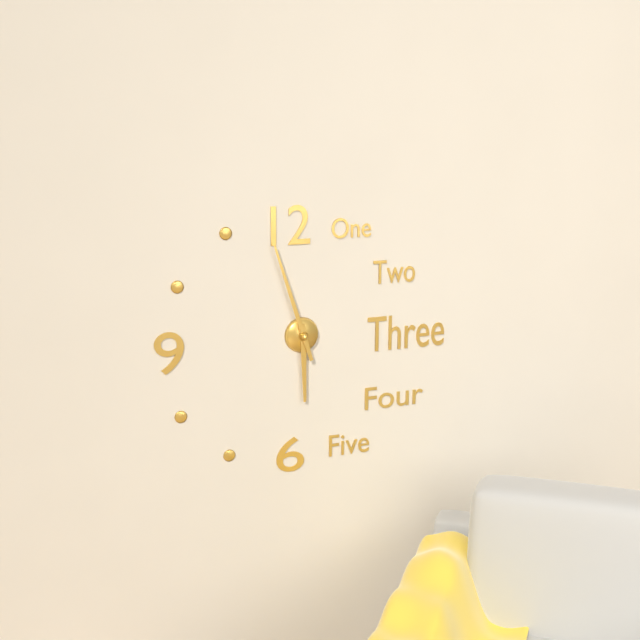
5:57
